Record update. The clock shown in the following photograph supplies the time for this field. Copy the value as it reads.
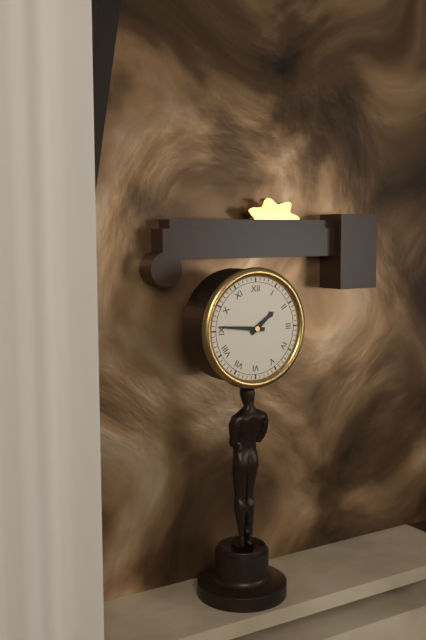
1:46
